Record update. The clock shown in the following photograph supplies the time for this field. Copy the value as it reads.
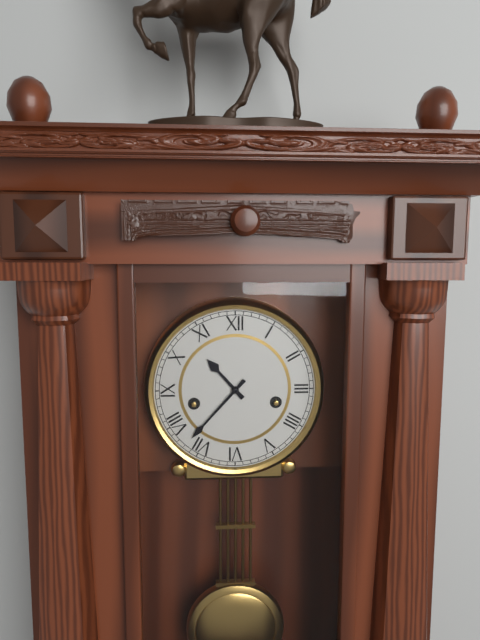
10:37
